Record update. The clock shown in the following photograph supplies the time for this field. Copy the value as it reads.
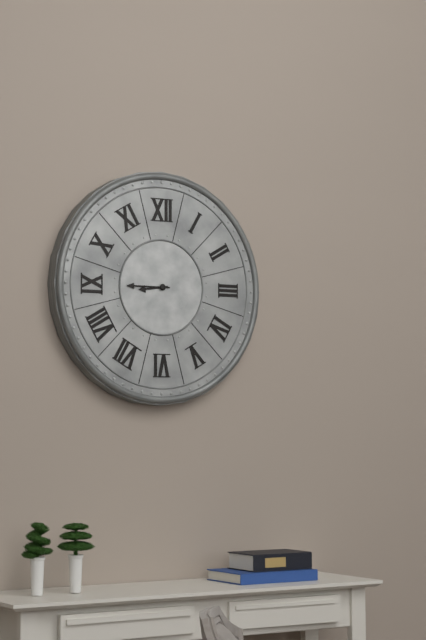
8:45
